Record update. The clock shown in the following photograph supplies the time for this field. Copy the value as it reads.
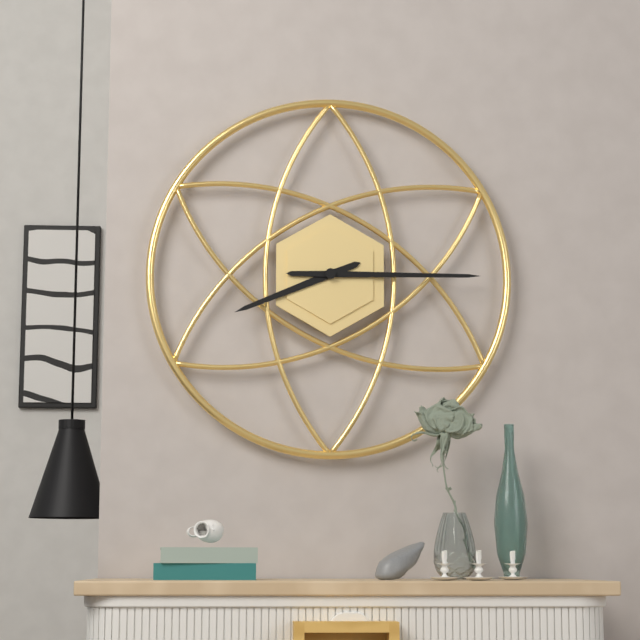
8:15
